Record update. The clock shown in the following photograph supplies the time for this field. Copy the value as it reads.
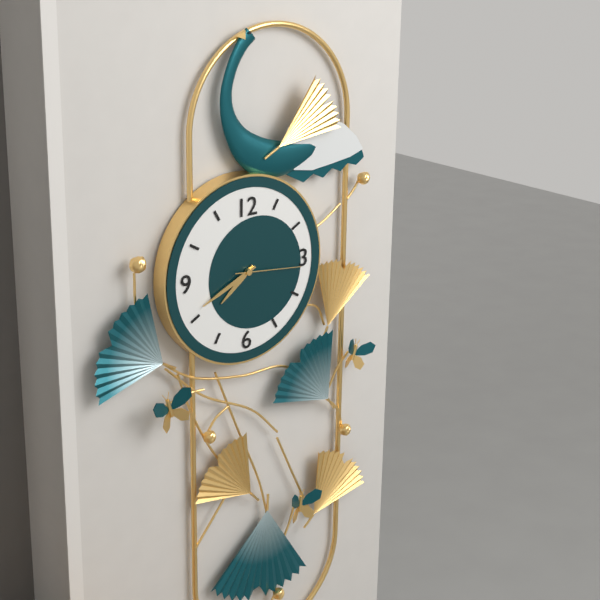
7:41:16
